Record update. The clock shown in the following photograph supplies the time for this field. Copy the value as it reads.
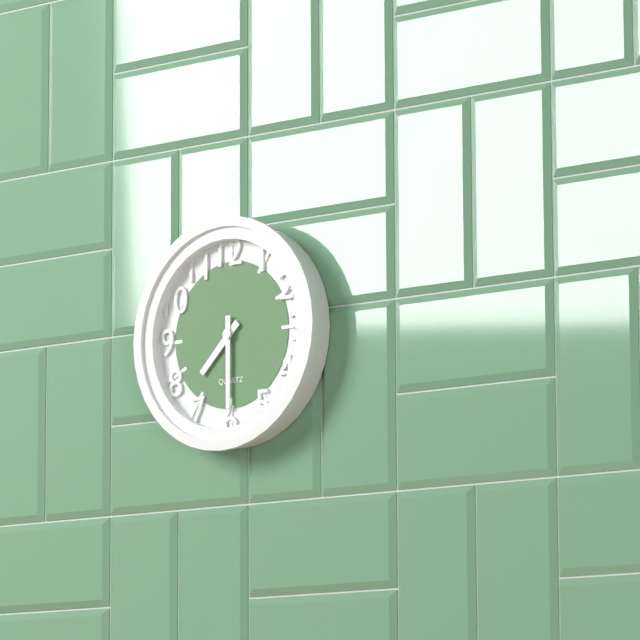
7:30
